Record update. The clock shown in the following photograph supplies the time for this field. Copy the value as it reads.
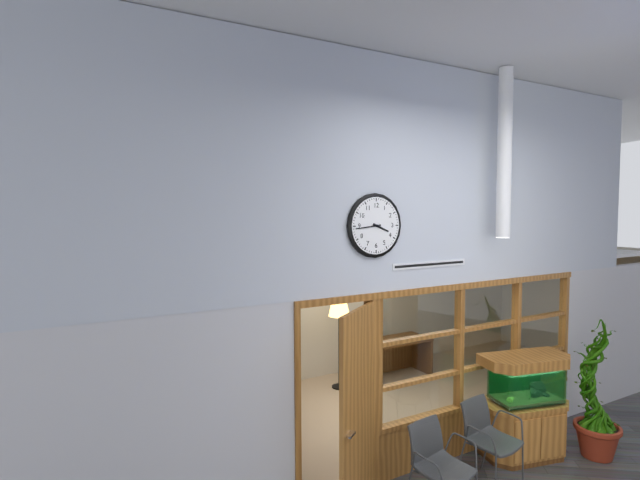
3:44
